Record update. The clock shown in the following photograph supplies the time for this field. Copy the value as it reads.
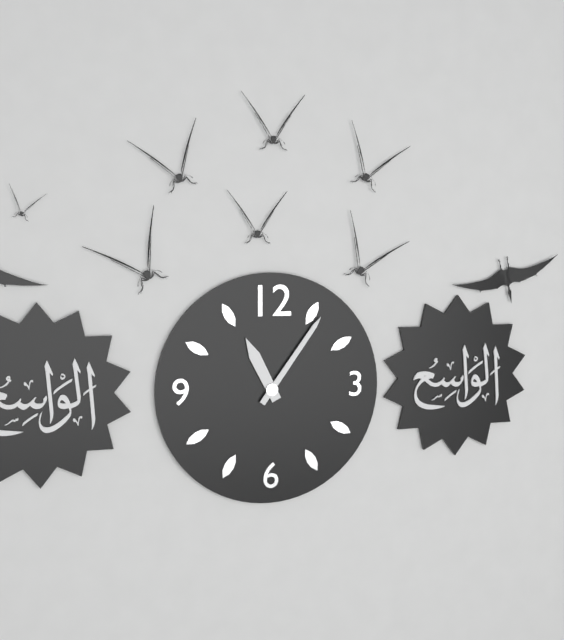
11:06
